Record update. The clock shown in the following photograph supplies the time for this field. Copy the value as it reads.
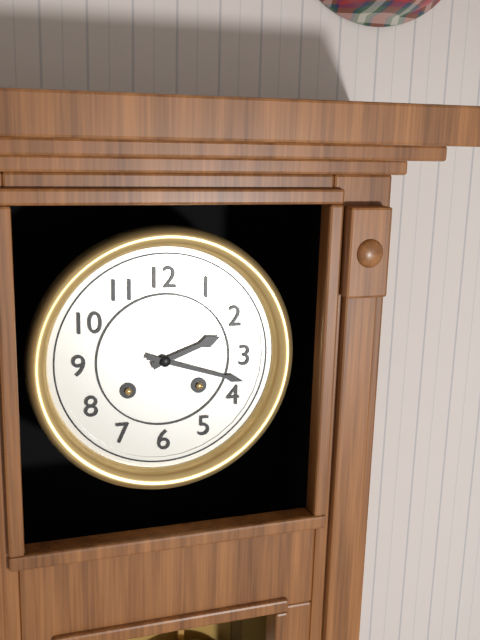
2:18
